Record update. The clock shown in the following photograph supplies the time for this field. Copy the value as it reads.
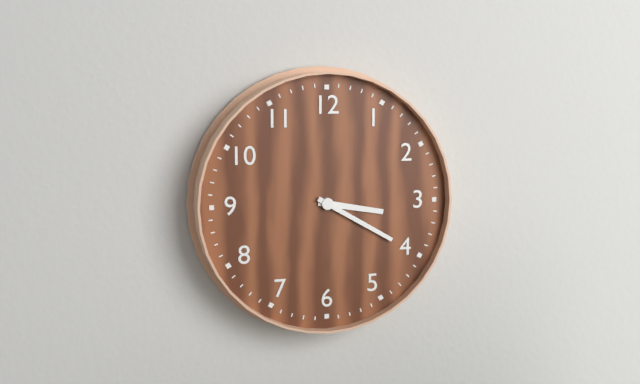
3:20
